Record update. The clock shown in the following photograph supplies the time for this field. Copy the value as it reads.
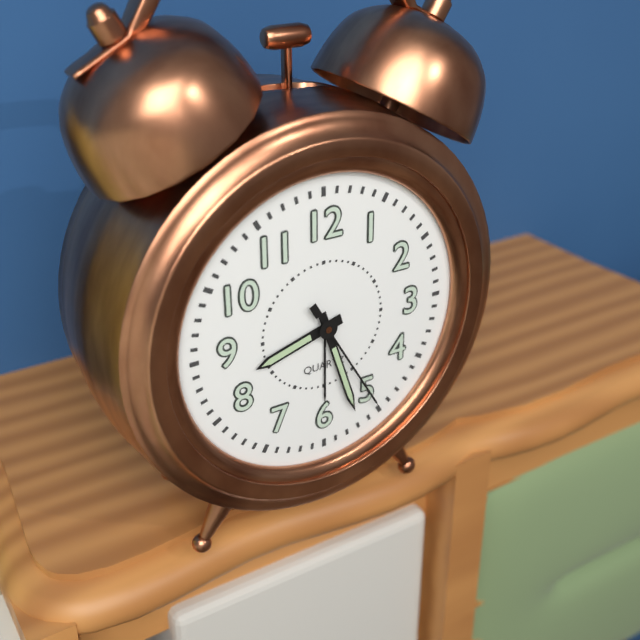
8:27:25
